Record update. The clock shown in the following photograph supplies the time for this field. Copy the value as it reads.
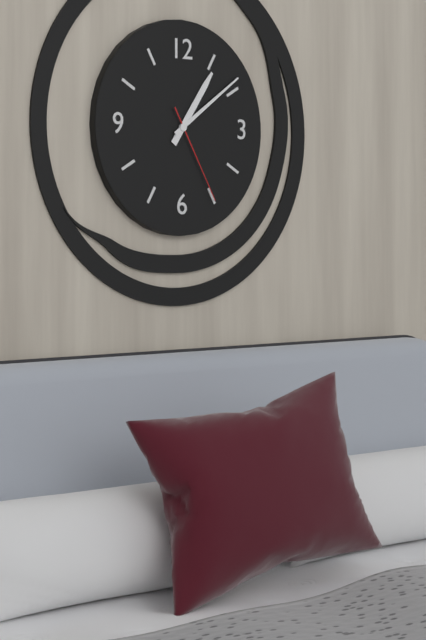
1:09:25
